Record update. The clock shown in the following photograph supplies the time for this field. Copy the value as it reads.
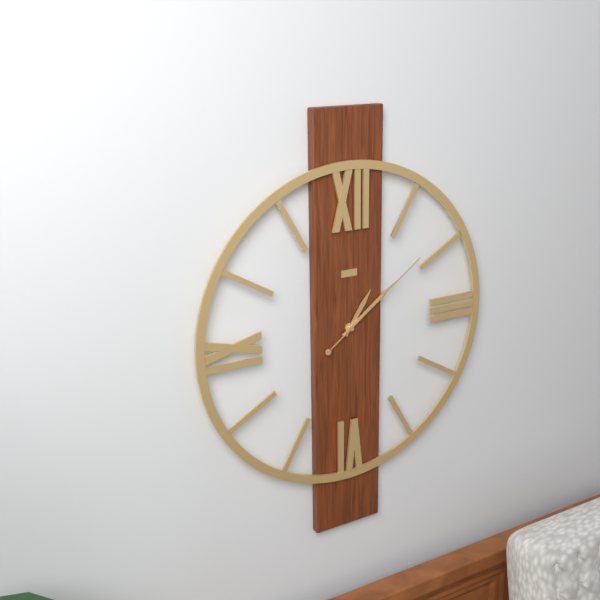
1:09:09
